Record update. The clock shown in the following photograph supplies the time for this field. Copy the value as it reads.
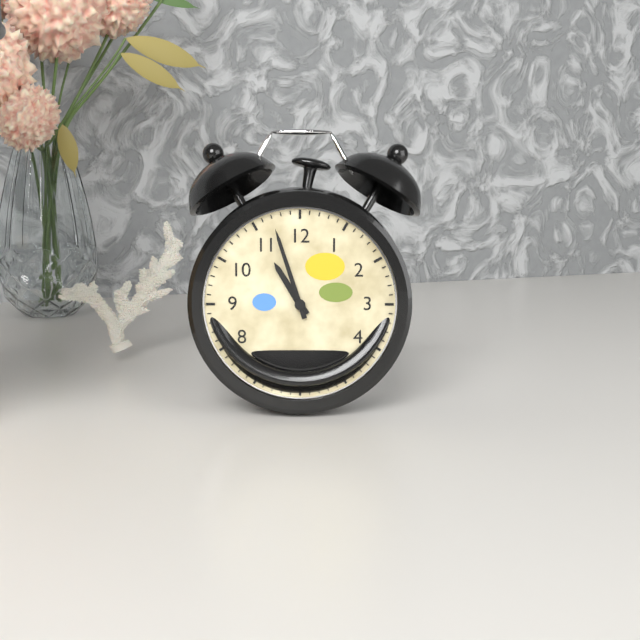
10:57
